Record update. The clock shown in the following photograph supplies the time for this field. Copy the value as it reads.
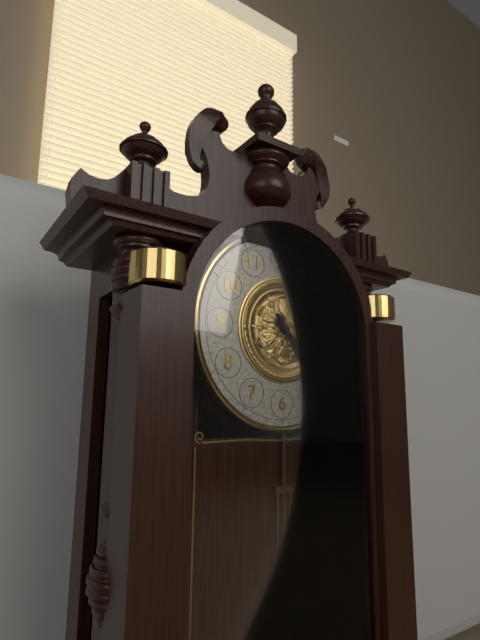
4:23
